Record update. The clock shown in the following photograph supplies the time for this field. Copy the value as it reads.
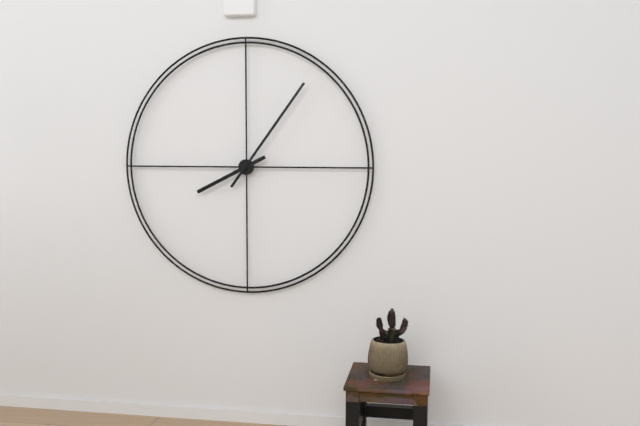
8:06
